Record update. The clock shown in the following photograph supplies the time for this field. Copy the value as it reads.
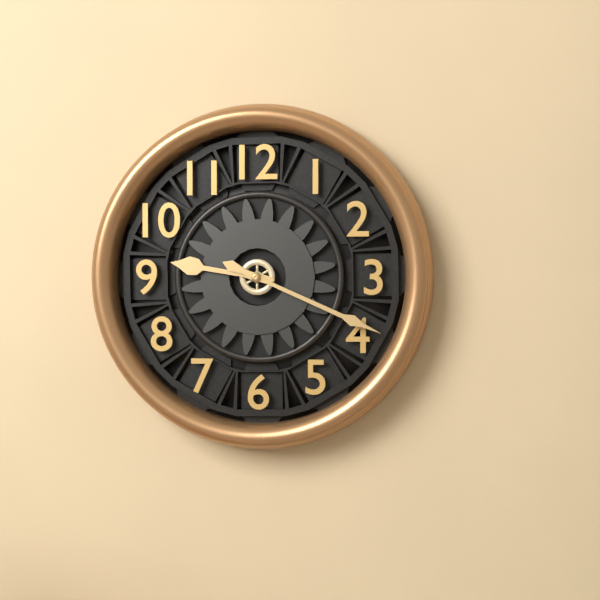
9:19
